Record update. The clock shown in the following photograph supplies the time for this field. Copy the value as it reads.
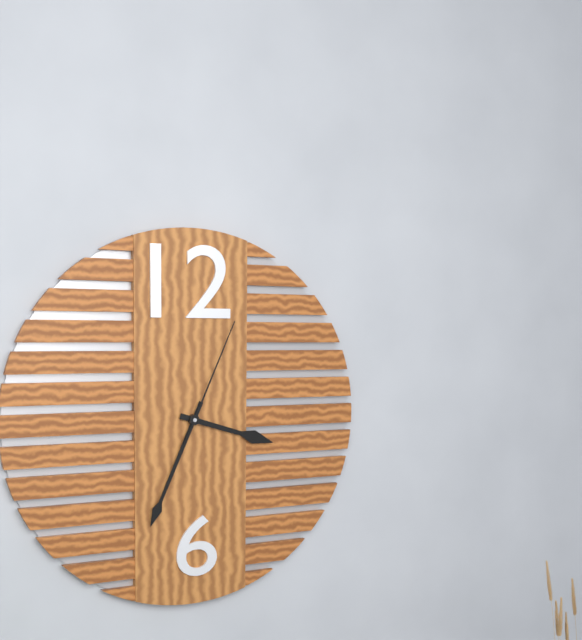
3:34:04
